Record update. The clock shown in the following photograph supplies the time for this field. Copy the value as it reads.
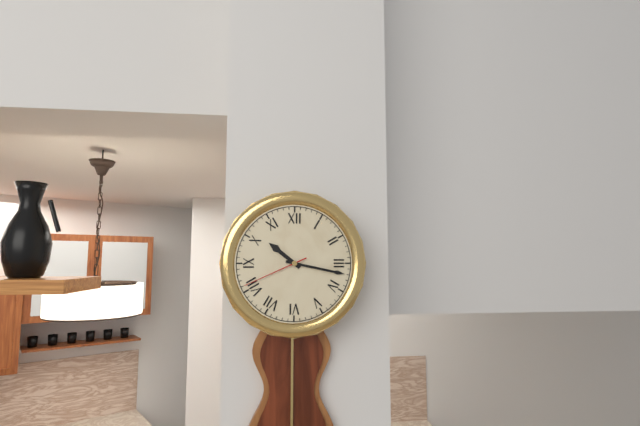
10:17:41
